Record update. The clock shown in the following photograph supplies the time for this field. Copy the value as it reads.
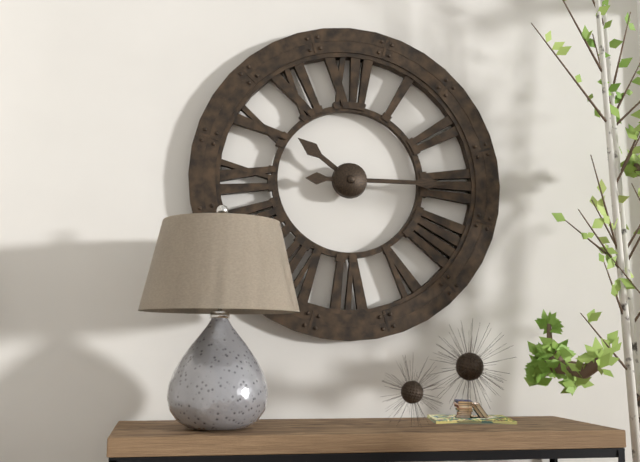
10:15
